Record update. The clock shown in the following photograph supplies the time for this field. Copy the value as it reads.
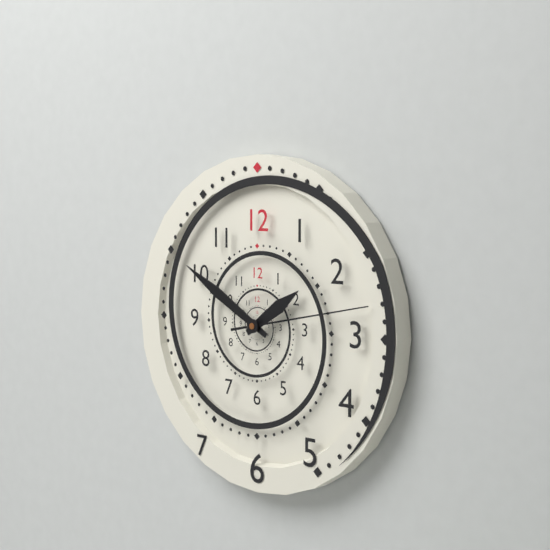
1:50:13
